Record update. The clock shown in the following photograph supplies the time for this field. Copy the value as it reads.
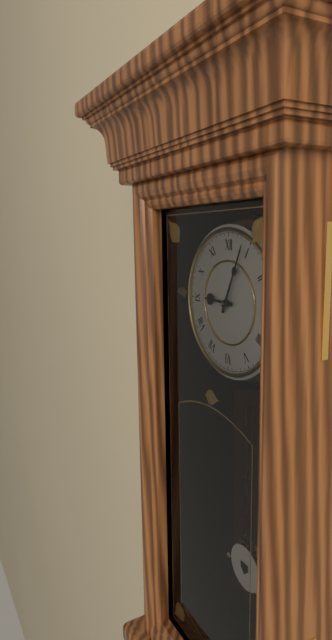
9:04
